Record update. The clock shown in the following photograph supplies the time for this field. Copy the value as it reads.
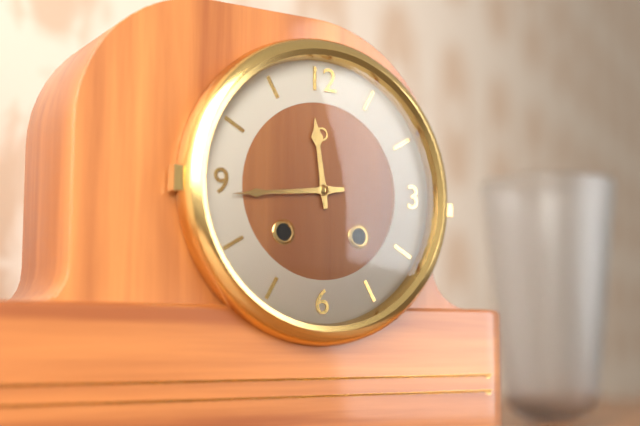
11:44
